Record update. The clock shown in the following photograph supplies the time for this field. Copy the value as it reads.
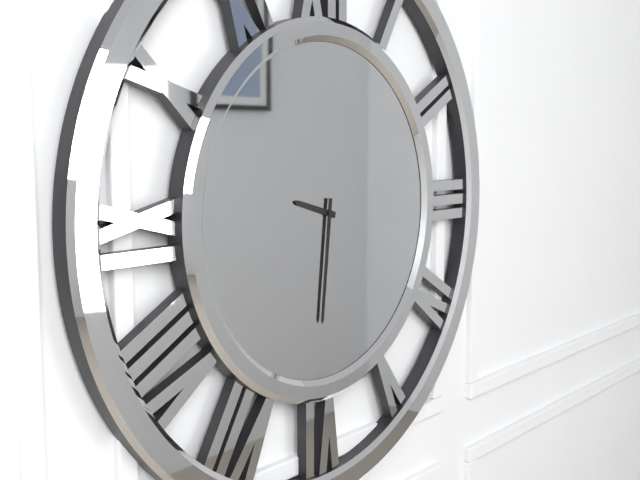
9:31
